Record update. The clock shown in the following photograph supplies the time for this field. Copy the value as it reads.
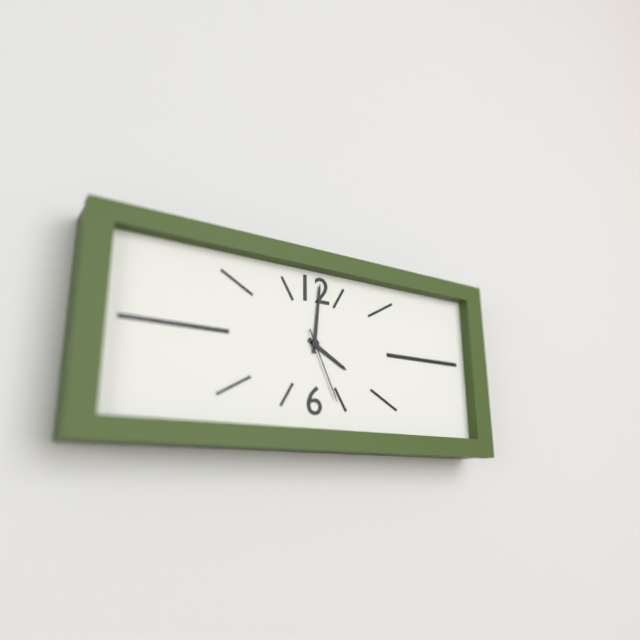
4:01:26
